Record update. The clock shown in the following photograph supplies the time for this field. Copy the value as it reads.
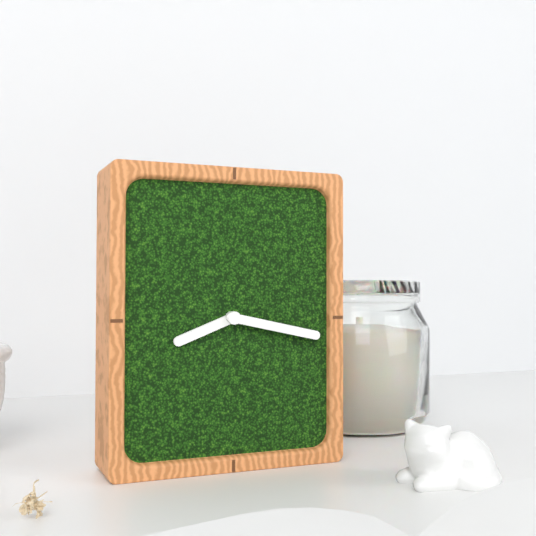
8:17
